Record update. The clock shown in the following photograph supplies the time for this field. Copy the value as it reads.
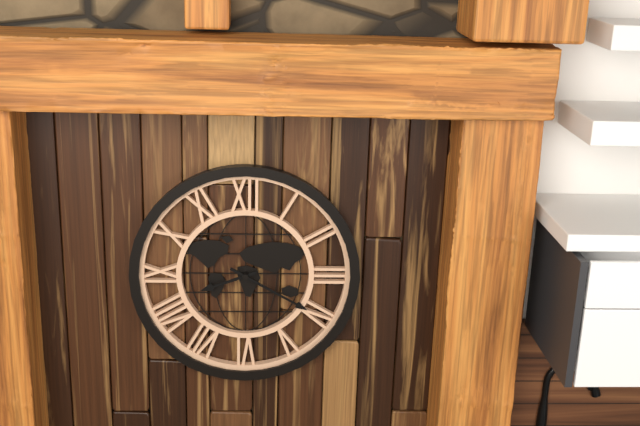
8:20
